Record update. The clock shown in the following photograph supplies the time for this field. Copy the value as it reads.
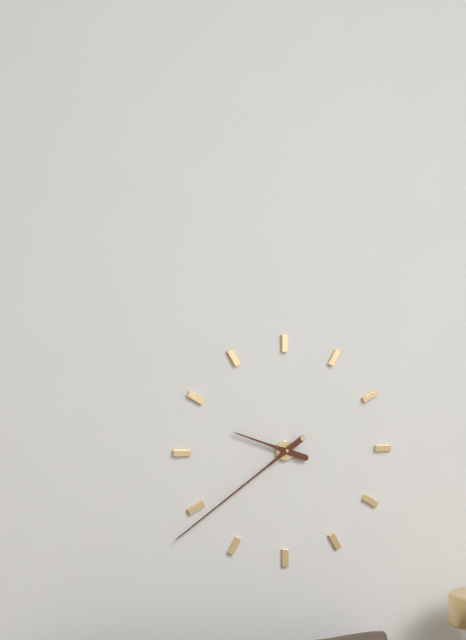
9:39
